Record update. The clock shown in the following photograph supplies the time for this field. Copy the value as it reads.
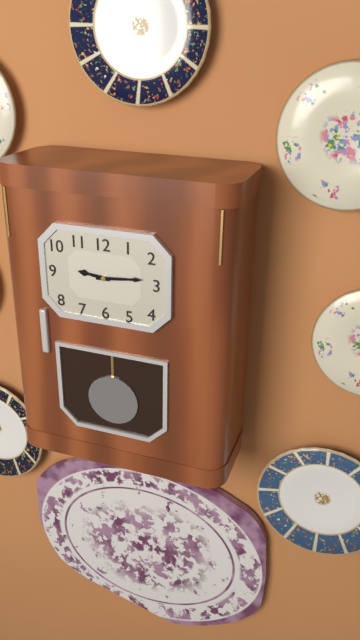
9:14
